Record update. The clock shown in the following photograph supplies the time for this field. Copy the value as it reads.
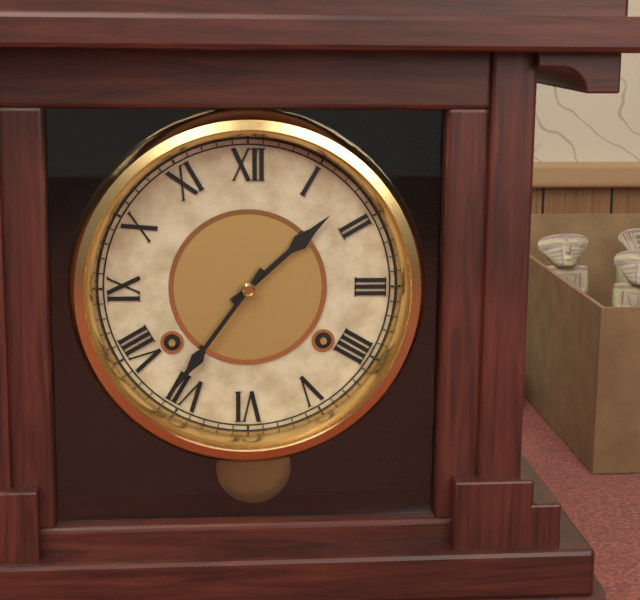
1:36
